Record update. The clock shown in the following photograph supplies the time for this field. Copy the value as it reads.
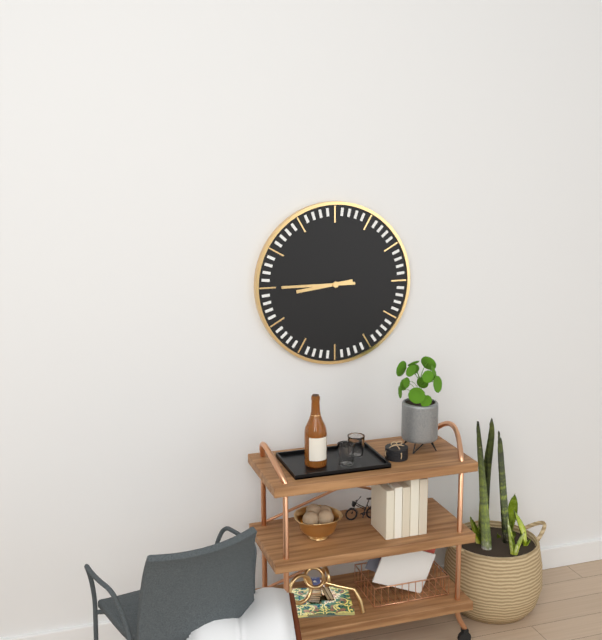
8:45
